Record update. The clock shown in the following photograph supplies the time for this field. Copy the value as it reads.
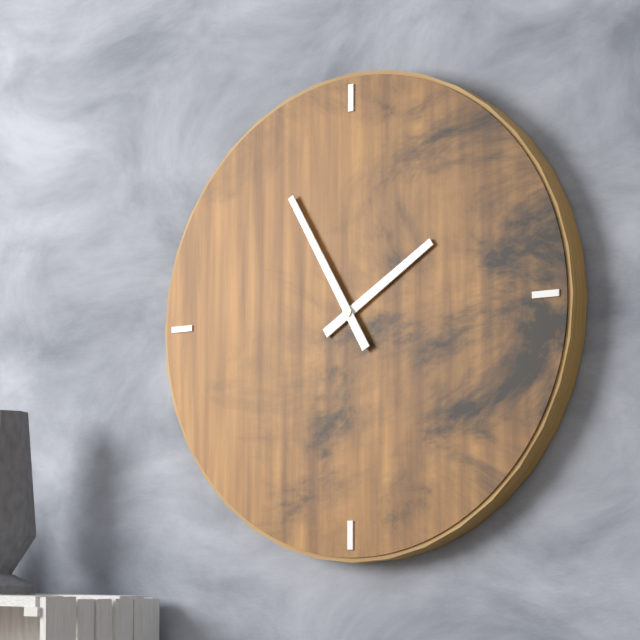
1:55
